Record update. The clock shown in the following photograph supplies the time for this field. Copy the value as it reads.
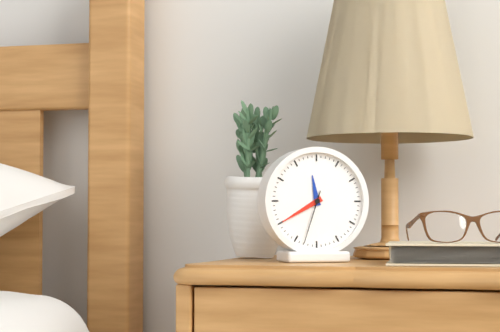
11:40:33
